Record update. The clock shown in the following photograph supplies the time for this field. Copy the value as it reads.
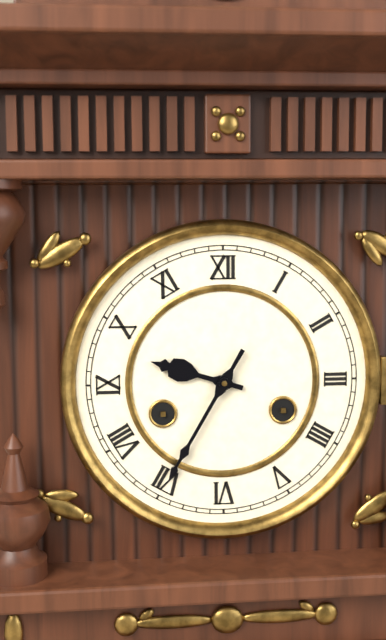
9:35
